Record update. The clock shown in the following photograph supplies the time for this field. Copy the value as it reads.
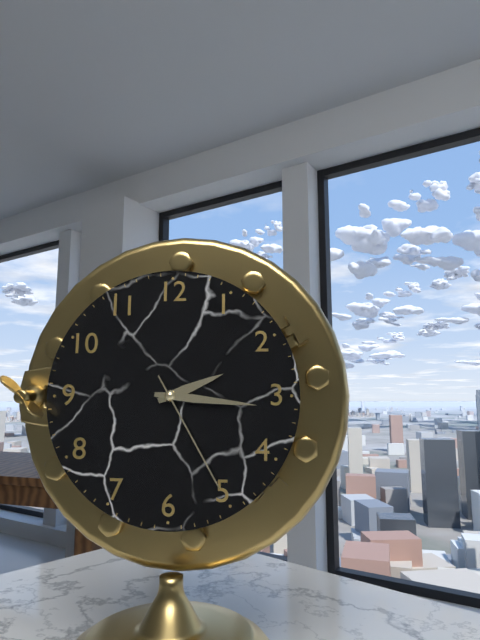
2:16:25
